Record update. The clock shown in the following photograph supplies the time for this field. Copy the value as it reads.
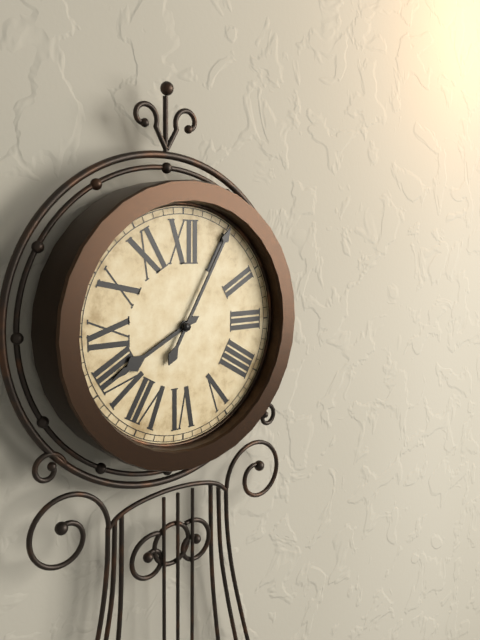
8:05
